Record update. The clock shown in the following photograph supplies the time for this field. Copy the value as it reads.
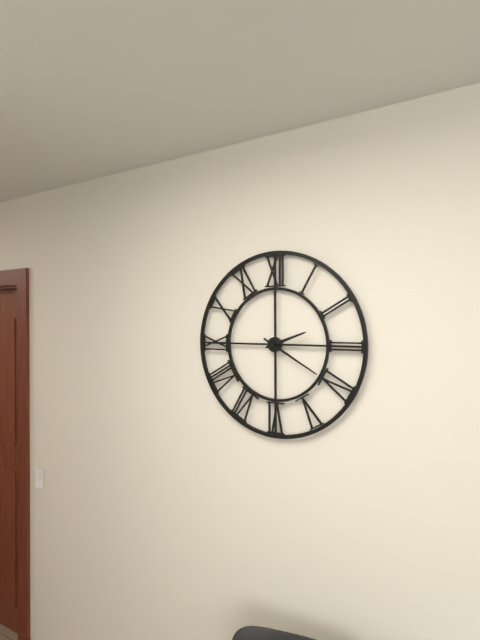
2:20
